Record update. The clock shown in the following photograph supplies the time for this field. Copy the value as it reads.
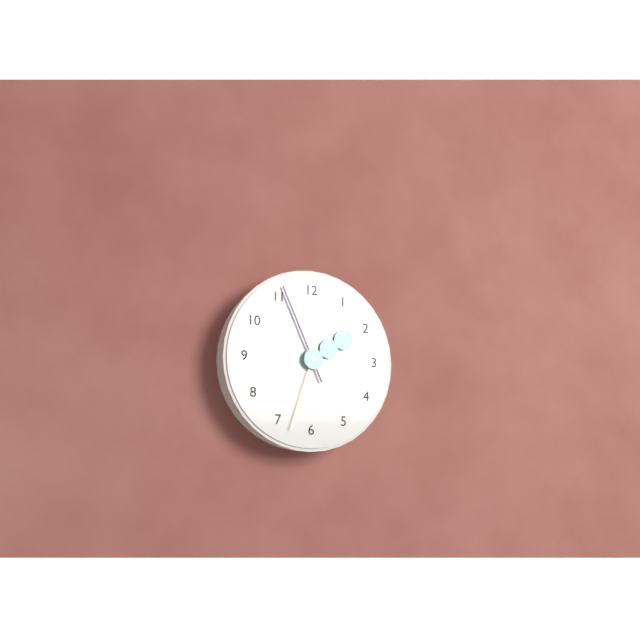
1:56:33
